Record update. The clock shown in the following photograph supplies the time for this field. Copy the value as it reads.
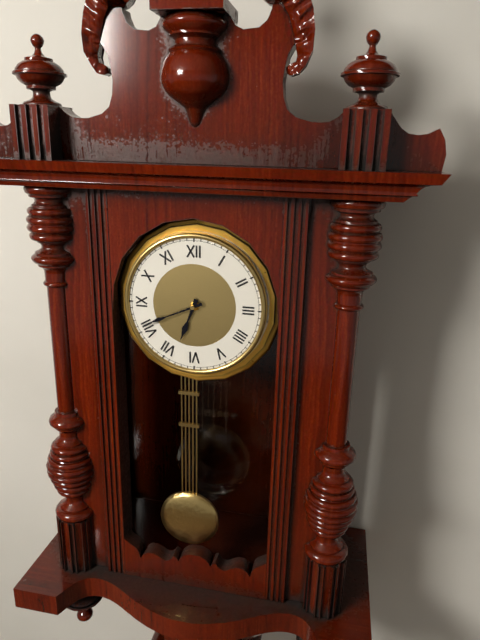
6:41
